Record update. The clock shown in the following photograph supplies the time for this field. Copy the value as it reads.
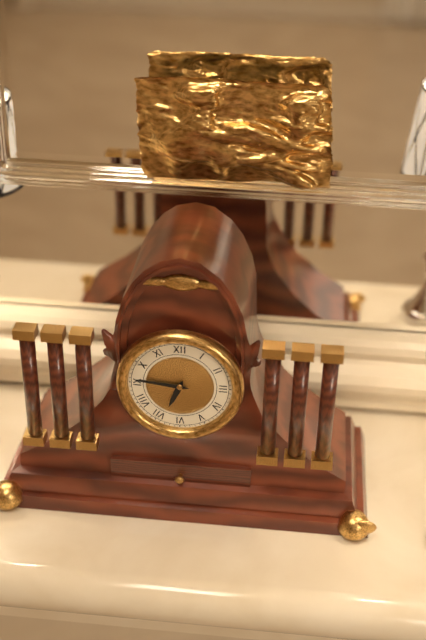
6:46
